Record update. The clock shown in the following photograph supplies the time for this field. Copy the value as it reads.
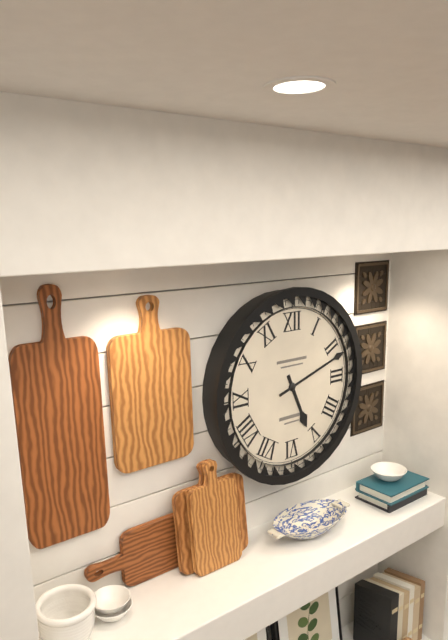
5:12
